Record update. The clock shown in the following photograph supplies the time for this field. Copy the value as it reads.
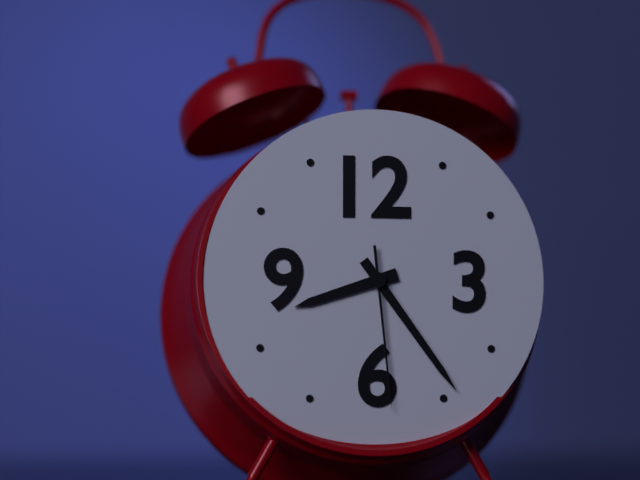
8:24:29
